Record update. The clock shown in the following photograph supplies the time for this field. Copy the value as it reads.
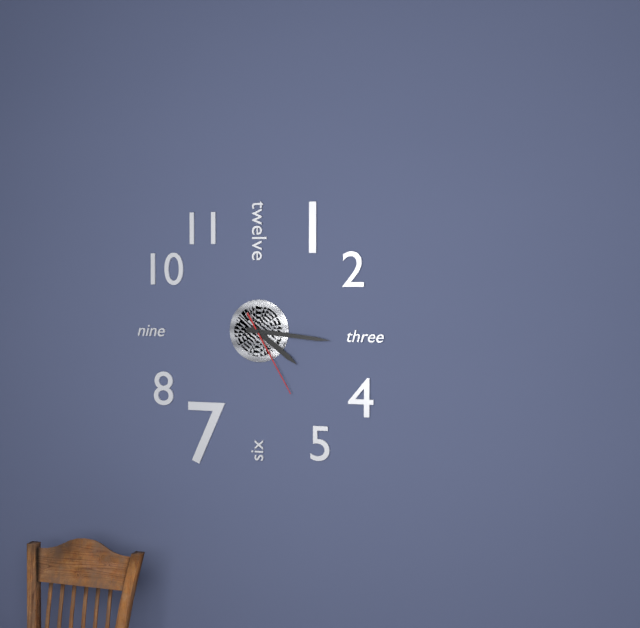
4:16:25
